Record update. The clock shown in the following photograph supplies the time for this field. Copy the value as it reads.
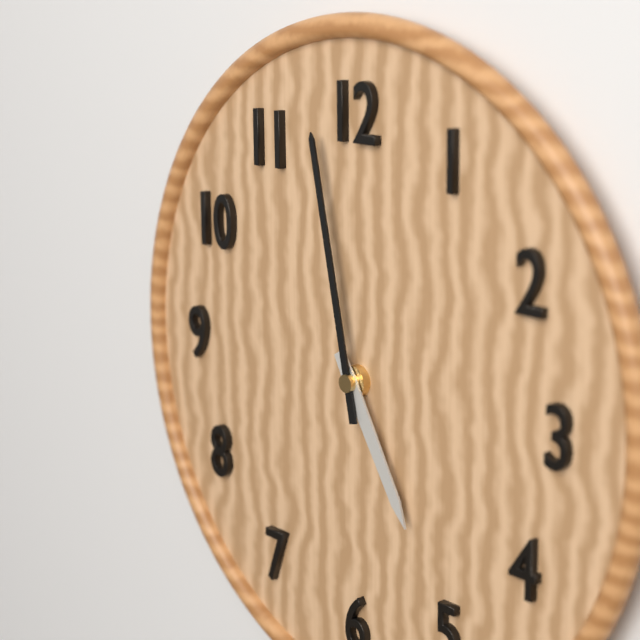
4:58
